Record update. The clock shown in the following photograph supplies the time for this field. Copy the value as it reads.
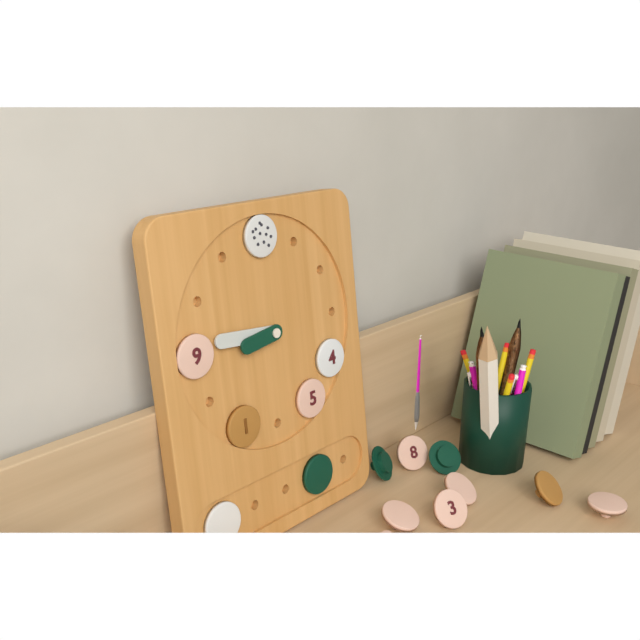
8:46
